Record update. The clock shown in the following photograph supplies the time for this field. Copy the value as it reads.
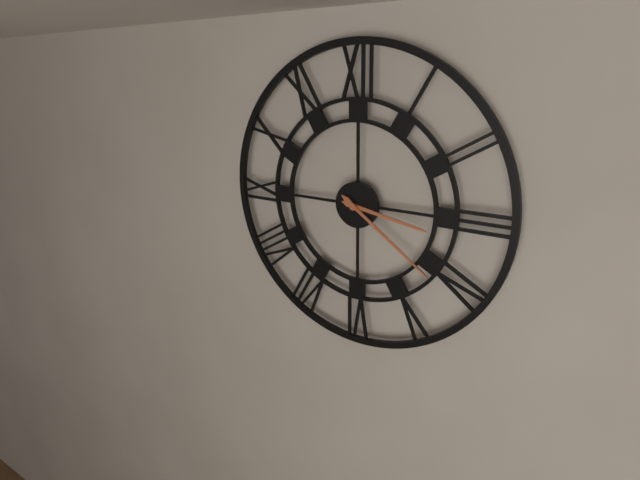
3:21
